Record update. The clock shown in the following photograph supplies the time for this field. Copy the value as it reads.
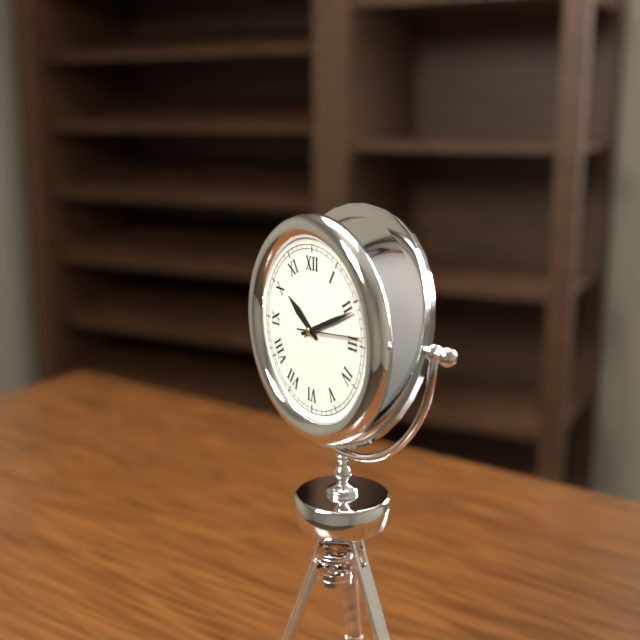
10:11:14
